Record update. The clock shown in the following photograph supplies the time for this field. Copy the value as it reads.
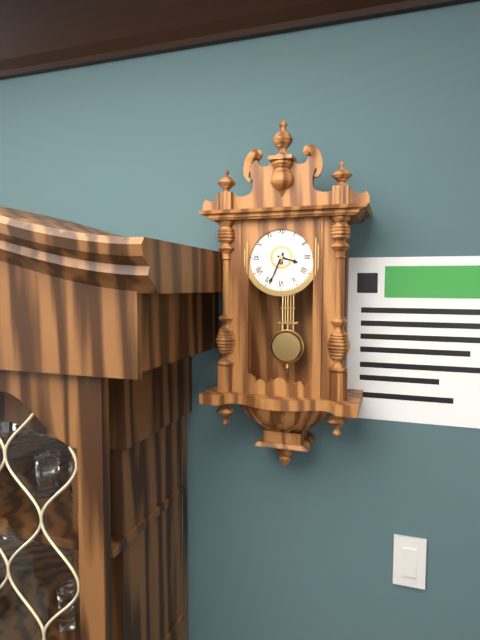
3:34
